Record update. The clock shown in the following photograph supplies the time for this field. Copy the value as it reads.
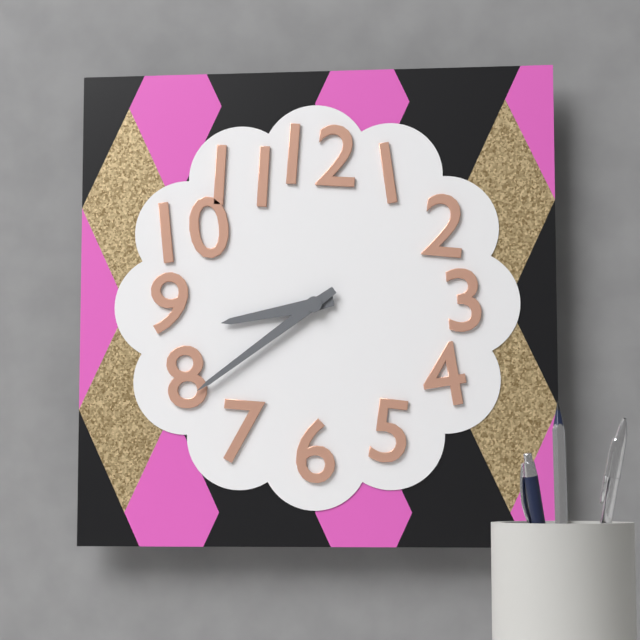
8:39
